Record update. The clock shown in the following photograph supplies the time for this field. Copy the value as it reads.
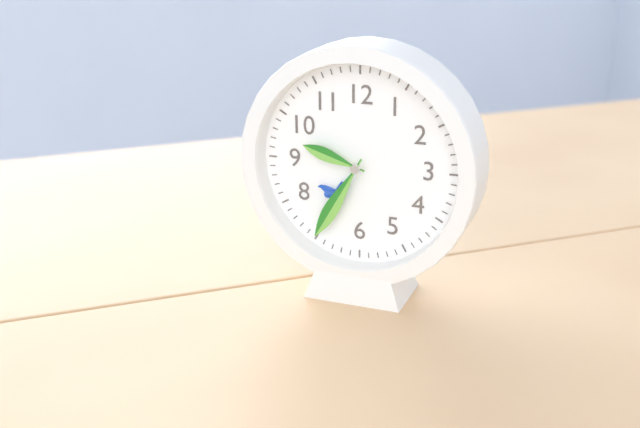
9:35
